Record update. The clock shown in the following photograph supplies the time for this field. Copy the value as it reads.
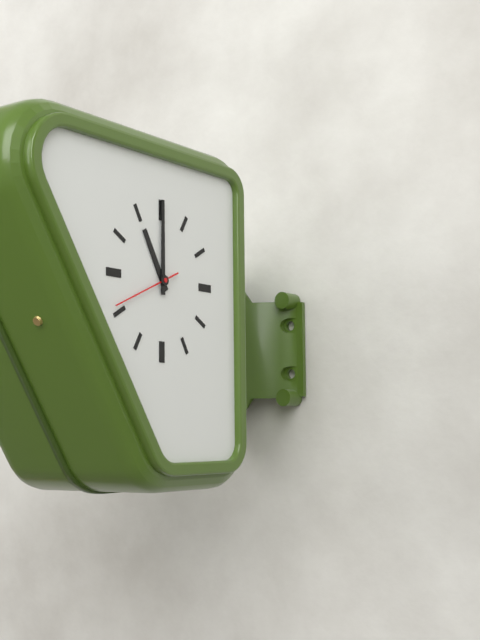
11:00:41
